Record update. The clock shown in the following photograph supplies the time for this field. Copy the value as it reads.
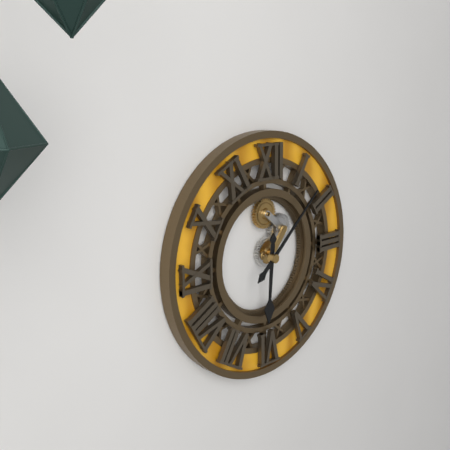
6:08
